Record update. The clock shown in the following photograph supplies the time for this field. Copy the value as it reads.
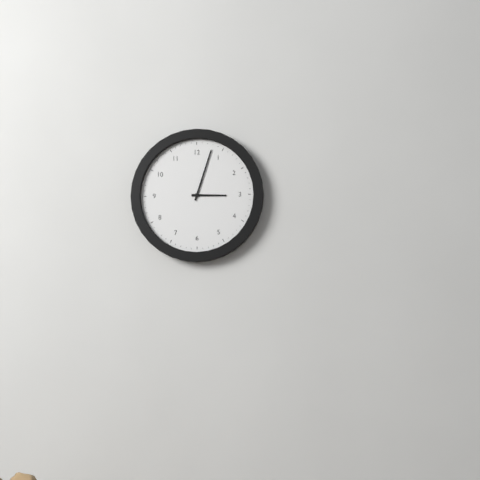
3:03
